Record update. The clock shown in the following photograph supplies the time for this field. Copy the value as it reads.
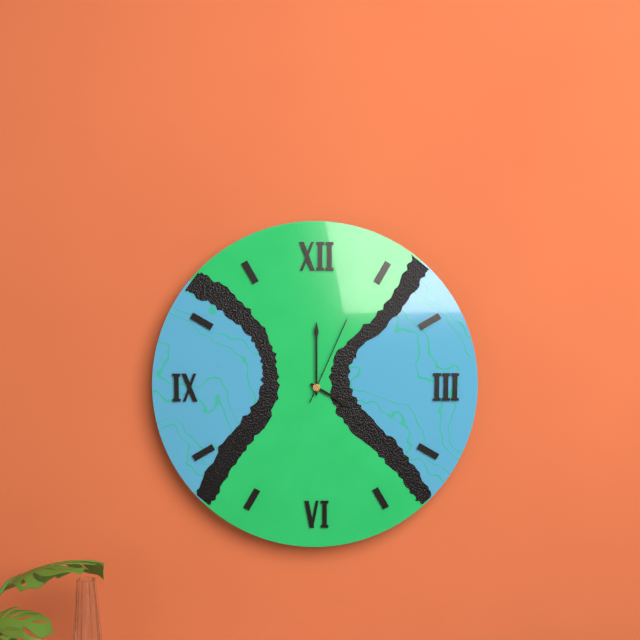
4:00:04
